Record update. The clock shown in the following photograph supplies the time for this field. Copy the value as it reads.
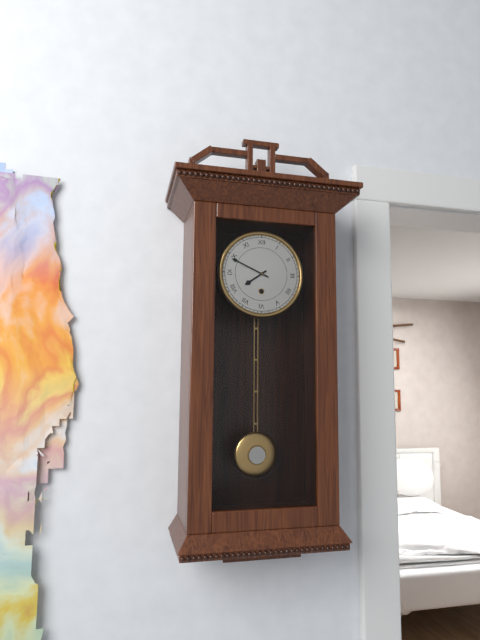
7:49
